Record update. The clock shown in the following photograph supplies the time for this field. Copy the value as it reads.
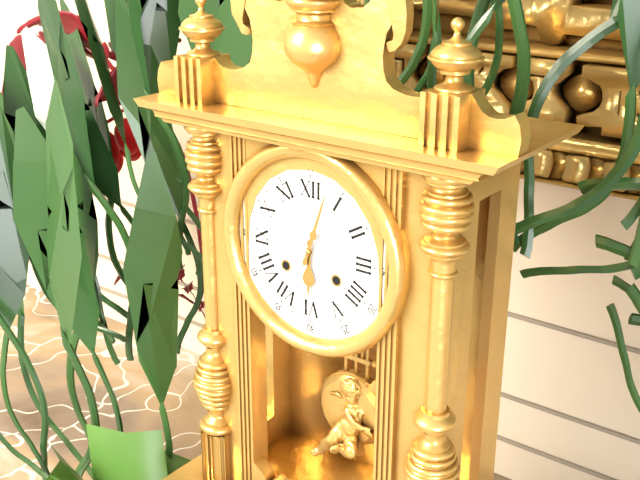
6:03
